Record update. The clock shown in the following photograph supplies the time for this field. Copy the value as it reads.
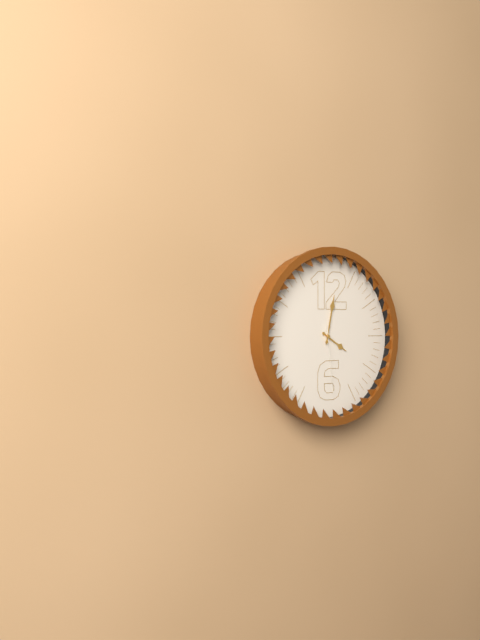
4:02:29
